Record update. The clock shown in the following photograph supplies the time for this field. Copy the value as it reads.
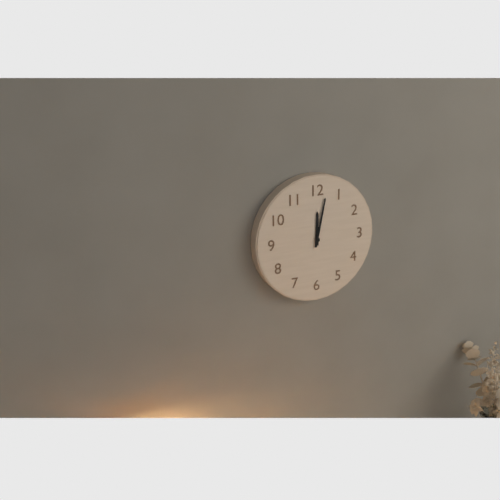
12:02
